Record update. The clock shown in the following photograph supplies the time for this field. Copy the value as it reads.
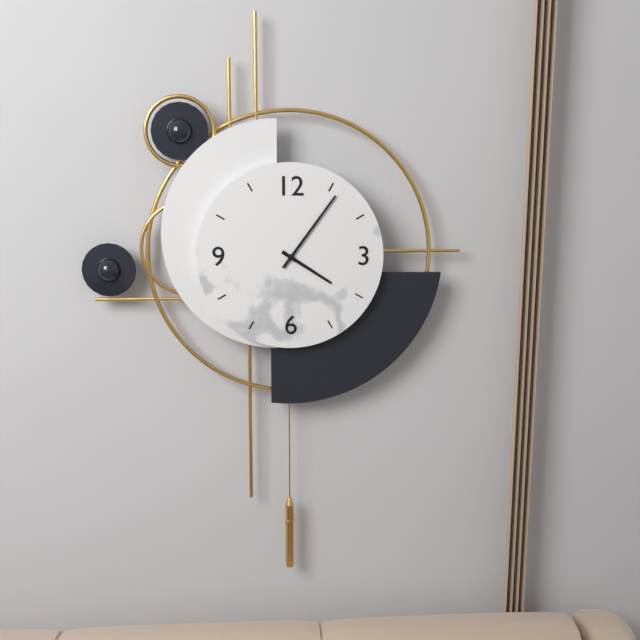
4:06
